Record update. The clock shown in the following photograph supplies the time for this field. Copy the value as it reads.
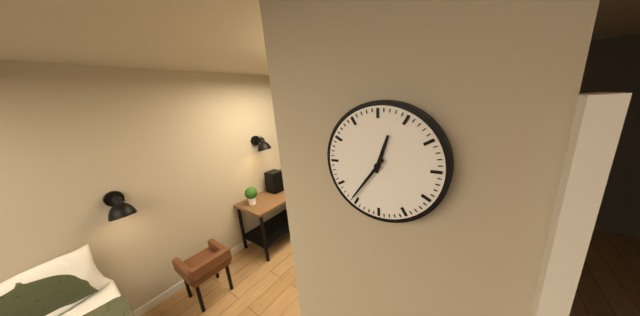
12:36
